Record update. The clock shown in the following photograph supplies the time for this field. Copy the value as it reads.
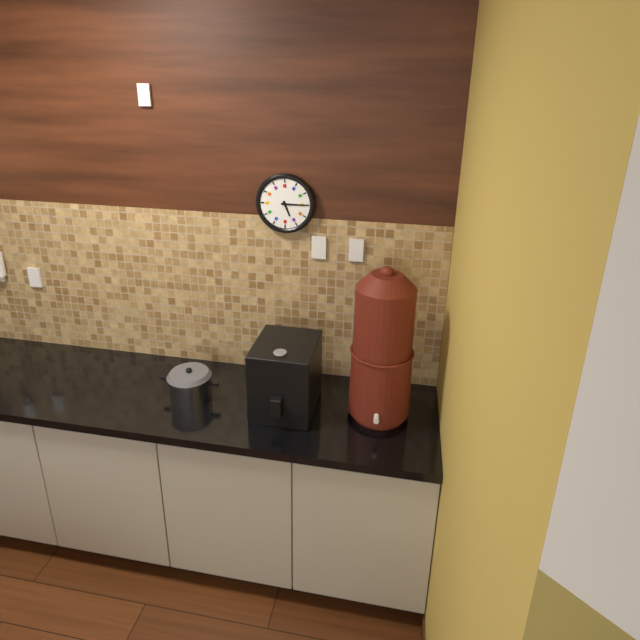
5:15
